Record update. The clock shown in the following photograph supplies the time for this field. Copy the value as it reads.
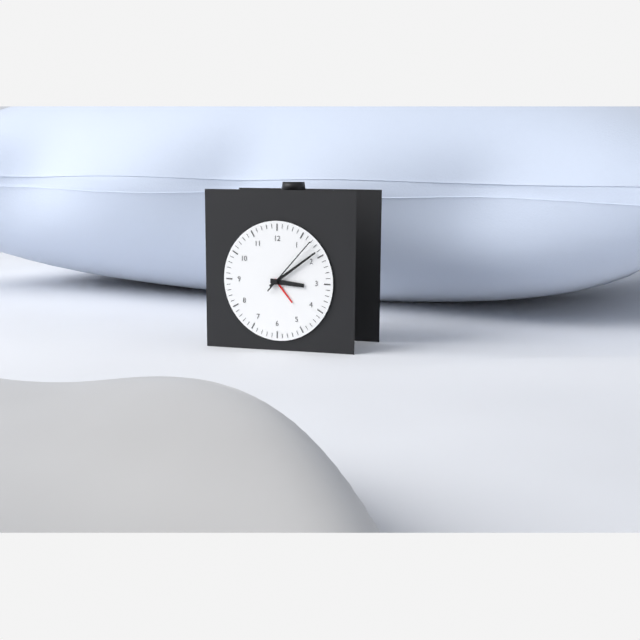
3:09:07
